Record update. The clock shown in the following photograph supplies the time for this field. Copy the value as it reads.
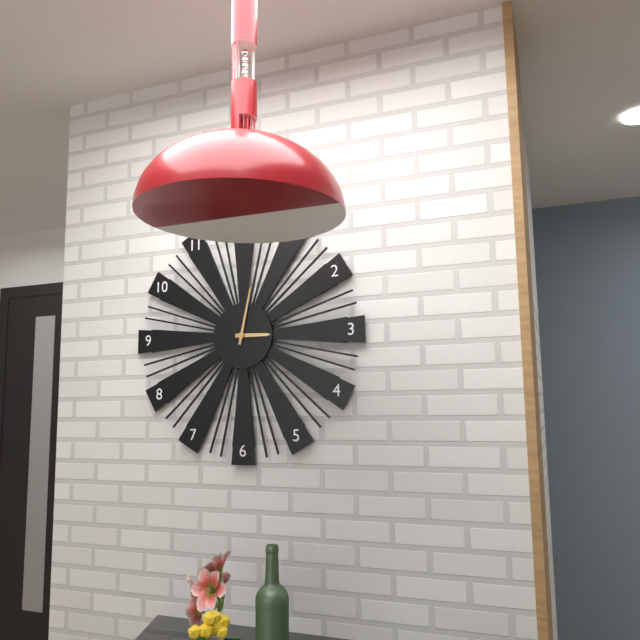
3:02
